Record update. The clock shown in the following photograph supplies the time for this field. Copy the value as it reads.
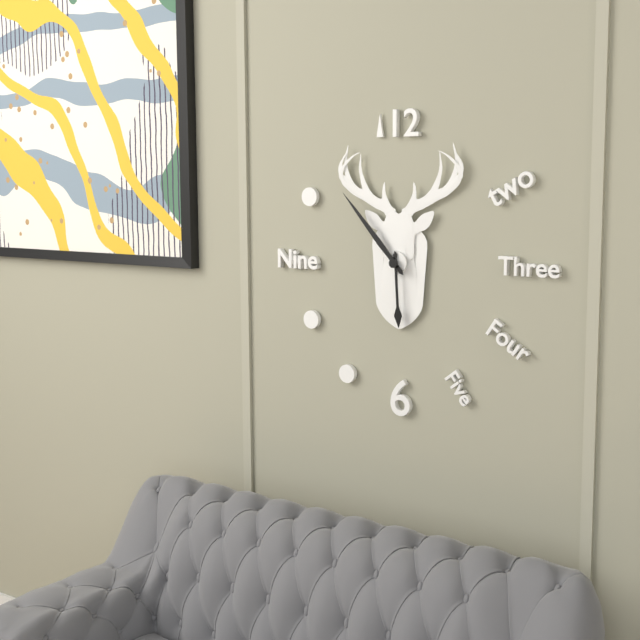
5:53
